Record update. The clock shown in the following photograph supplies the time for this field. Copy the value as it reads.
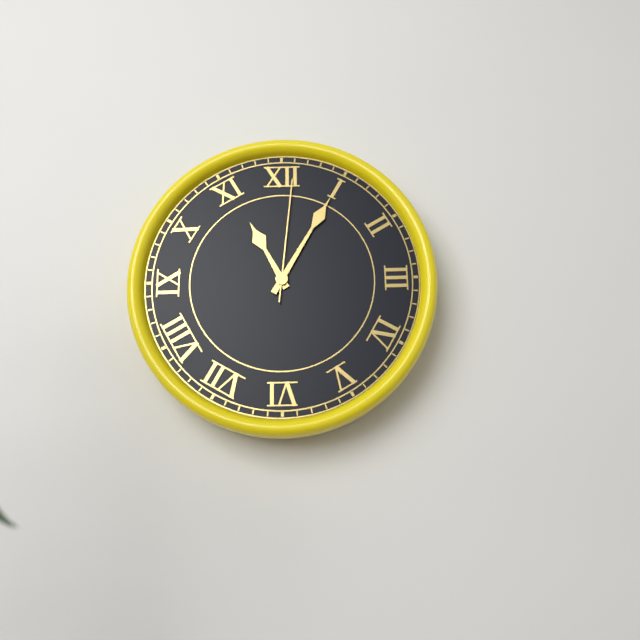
11:05:01
